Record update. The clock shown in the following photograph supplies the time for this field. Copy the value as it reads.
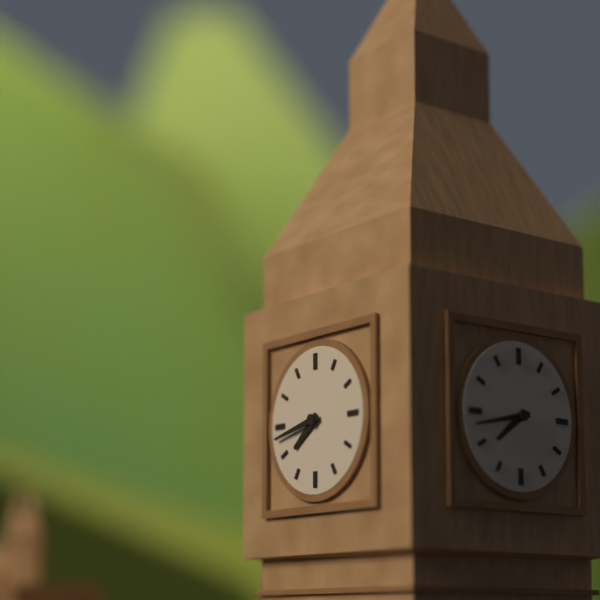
7:43
